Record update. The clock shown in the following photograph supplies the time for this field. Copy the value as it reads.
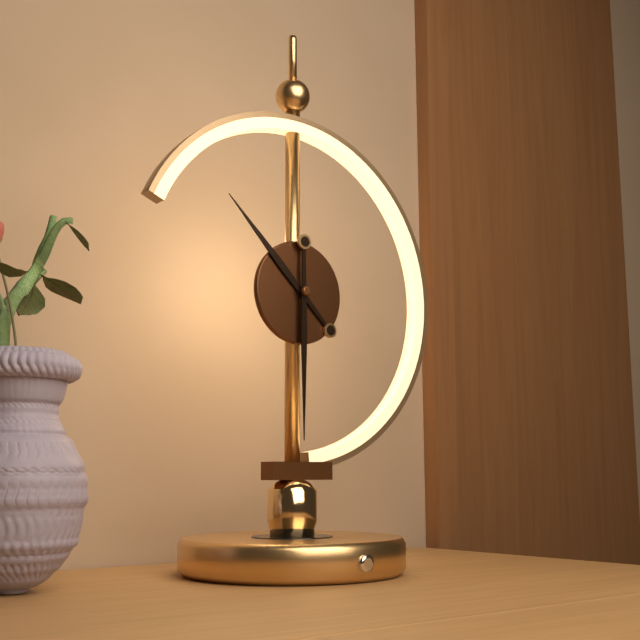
10:30
